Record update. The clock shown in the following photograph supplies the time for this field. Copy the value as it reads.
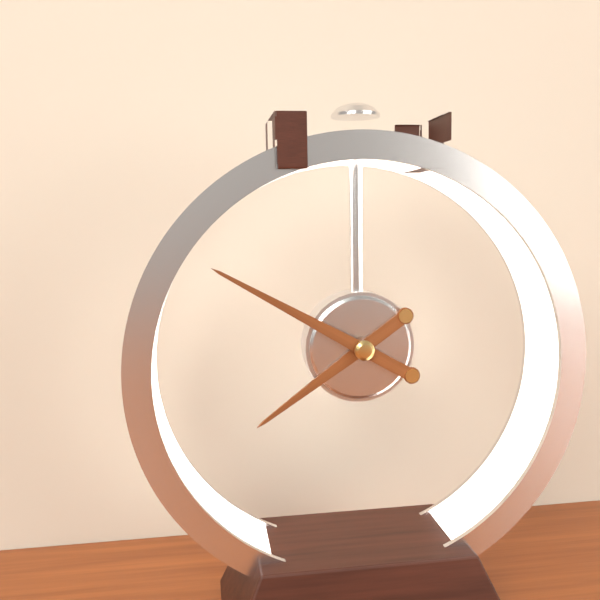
7:50
